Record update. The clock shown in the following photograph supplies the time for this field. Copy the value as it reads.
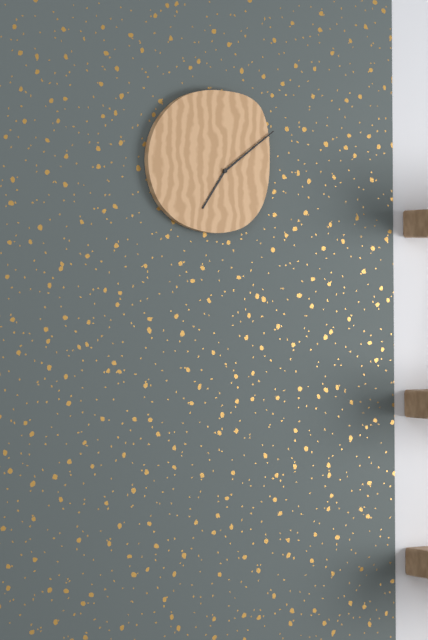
7:09
